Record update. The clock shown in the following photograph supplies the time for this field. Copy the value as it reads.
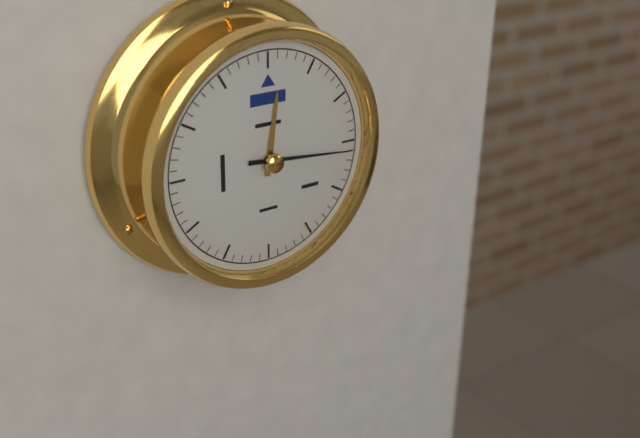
12:16
